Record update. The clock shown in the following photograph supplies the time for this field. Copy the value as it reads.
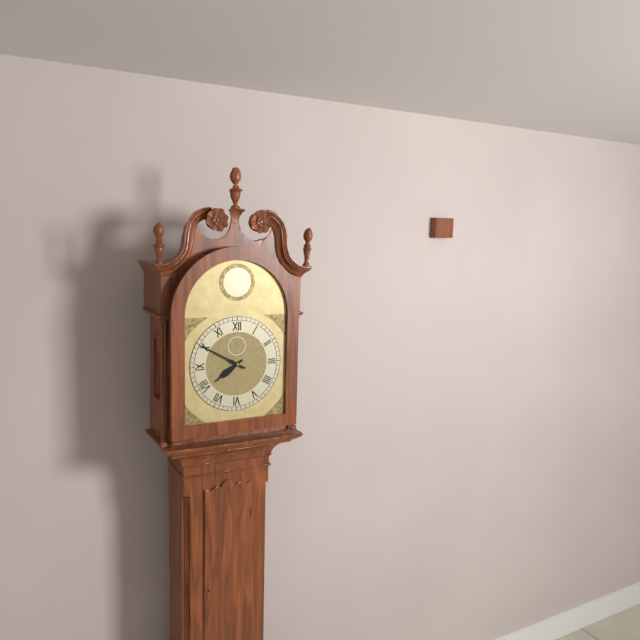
7:50
